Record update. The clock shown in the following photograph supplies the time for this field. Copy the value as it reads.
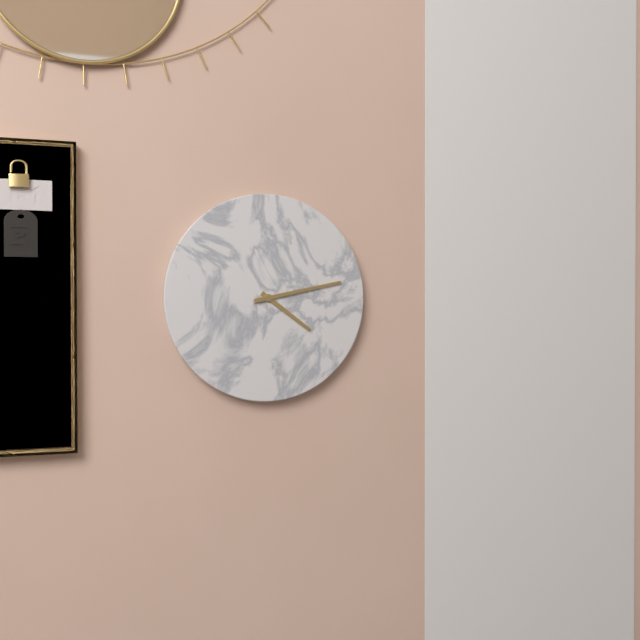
4:13
